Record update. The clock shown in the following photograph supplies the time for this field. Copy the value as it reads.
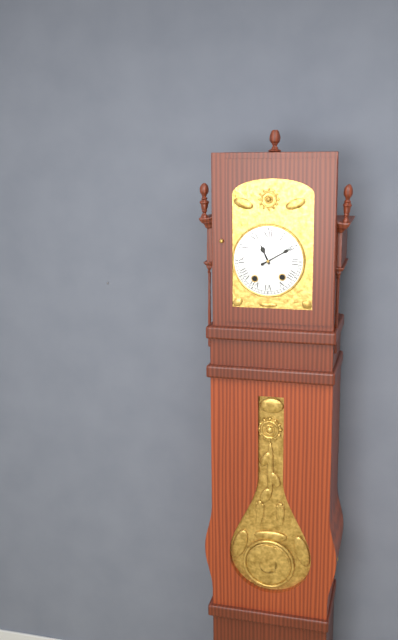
11:10
